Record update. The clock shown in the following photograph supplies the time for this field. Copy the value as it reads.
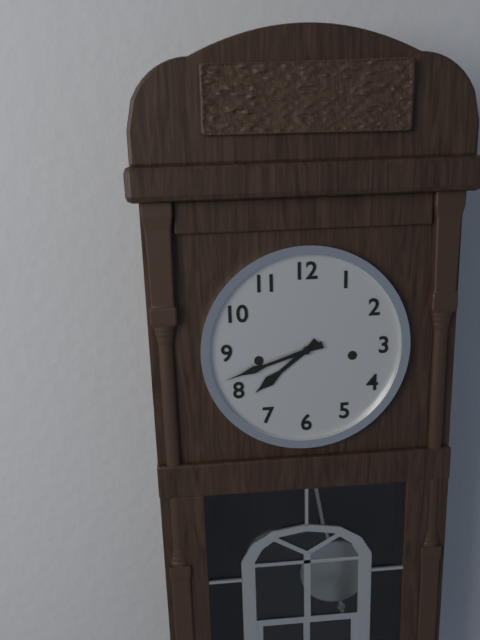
7:42
